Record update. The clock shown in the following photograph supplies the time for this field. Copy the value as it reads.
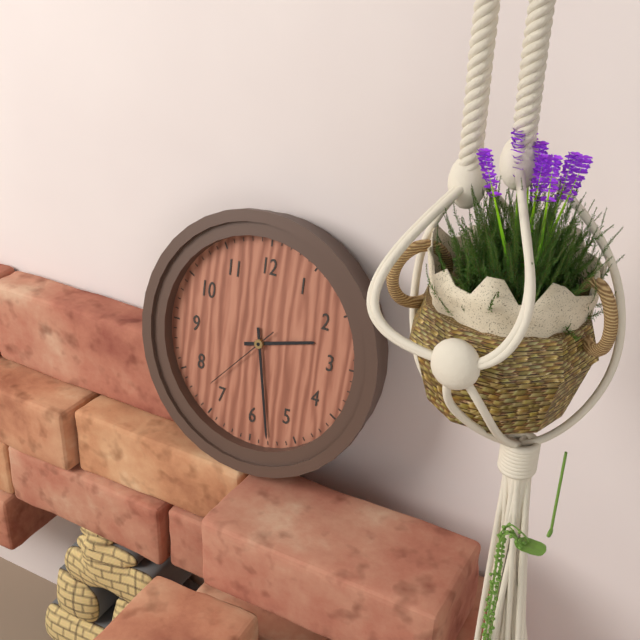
2:28:37
